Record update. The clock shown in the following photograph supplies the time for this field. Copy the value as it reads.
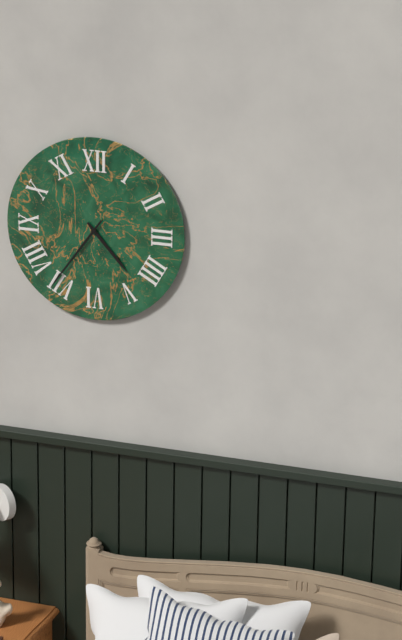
4:36
